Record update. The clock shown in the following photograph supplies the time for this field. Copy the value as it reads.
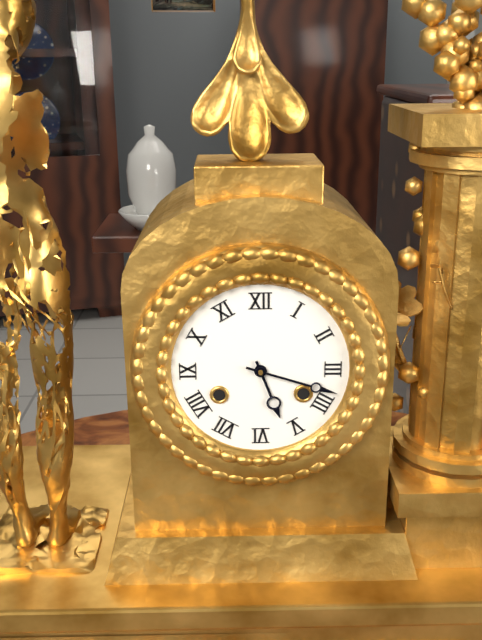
5:18
